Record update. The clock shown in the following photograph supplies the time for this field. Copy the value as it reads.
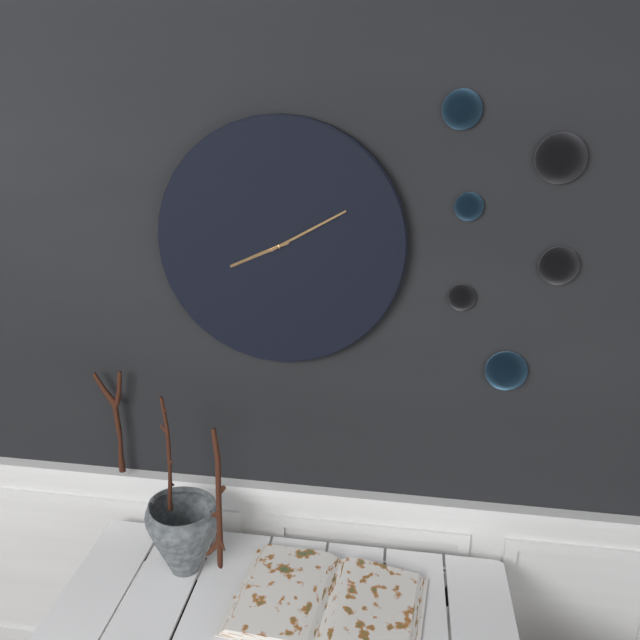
8:10
